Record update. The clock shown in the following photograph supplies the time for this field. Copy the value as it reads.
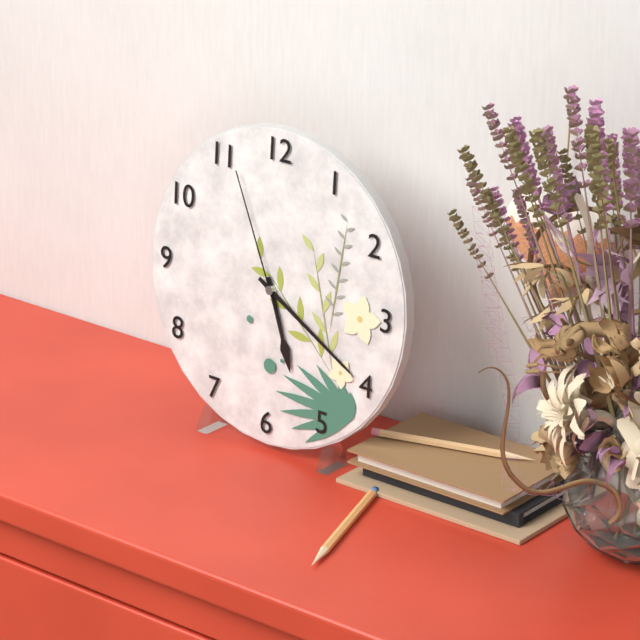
5:20:56
